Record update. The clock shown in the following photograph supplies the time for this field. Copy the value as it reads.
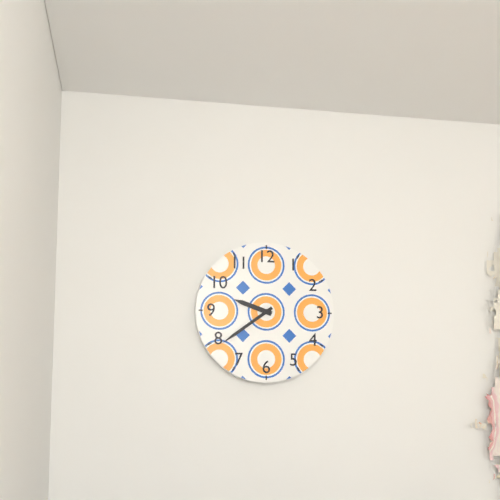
9:39
